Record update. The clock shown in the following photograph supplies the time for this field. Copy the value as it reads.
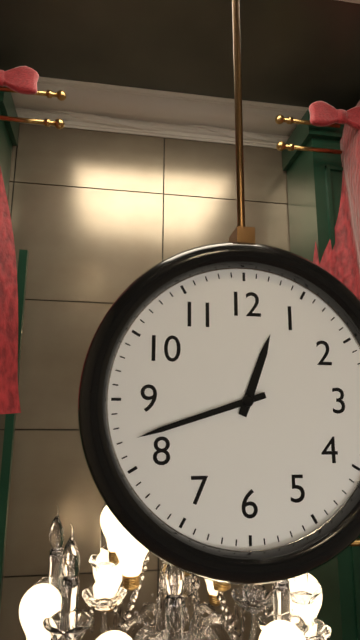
12:42
